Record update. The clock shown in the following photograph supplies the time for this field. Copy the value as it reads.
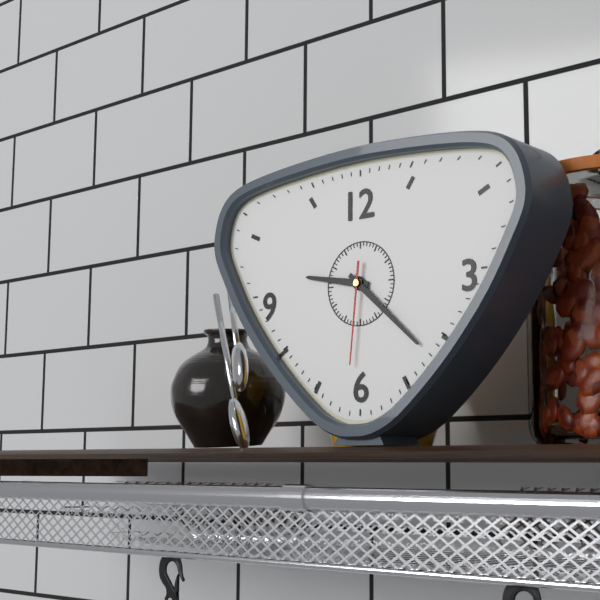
9:22:31
